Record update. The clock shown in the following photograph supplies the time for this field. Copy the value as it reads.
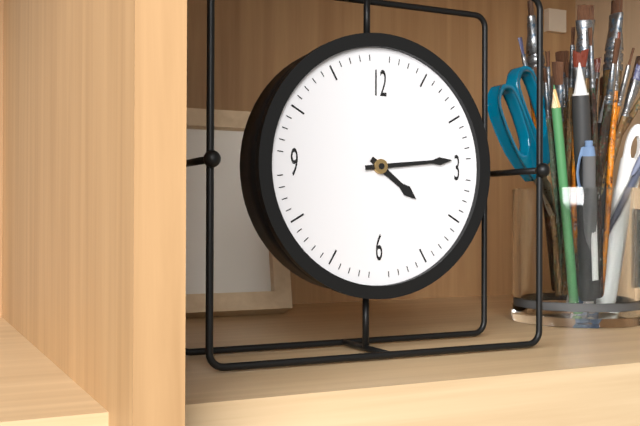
4:14
